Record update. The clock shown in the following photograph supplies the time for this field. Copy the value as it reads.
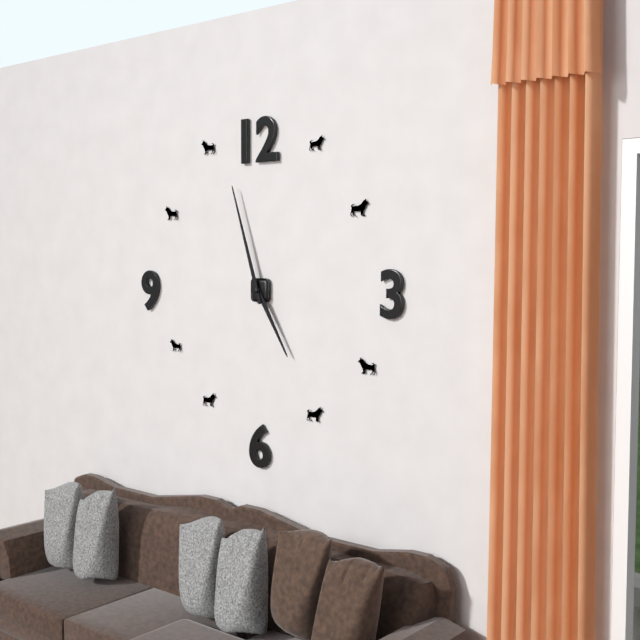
4:57
